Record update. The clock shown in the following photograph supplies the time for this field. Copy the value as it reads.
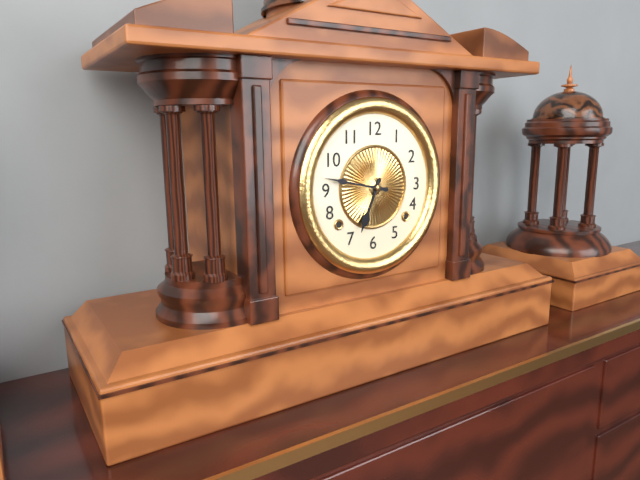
6:47
